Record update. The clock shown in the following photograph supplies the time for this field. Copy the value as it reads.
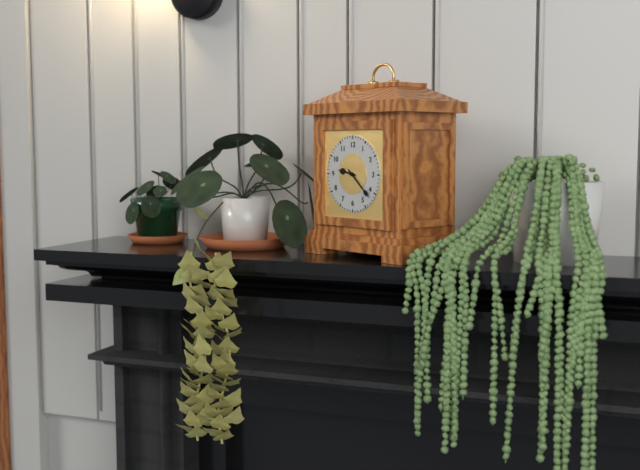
9:22
